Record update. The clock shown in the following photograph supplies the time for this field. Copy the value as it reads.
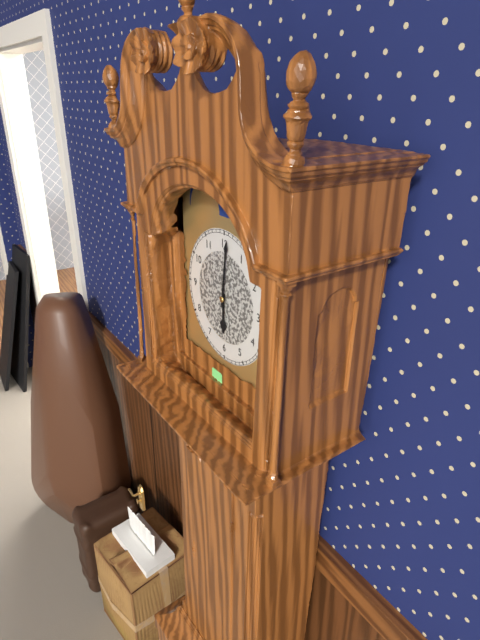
6:01
